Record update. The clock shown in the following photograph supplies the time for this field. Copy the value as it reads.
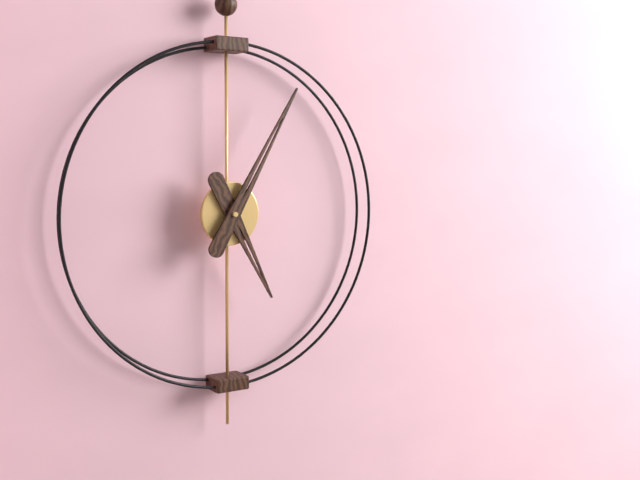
5:05
